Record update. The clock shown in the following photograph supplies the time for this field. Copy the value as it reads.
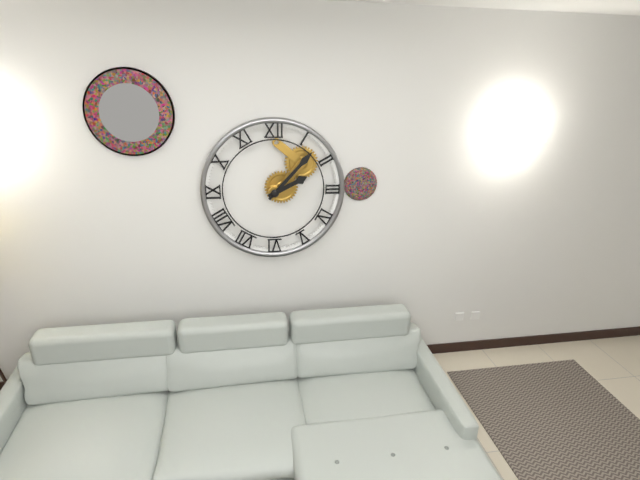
2:07
